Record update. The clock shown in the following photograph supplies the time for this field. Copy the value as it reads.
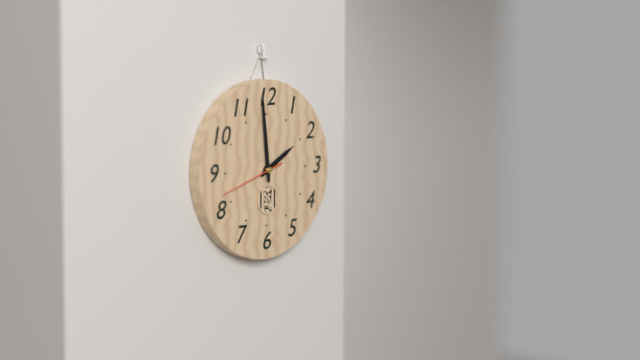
1:59:42
